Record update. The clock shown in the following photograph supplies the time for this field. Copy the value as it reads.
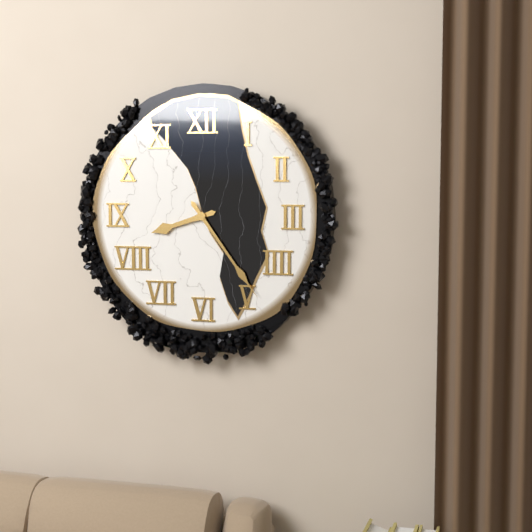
8:24
